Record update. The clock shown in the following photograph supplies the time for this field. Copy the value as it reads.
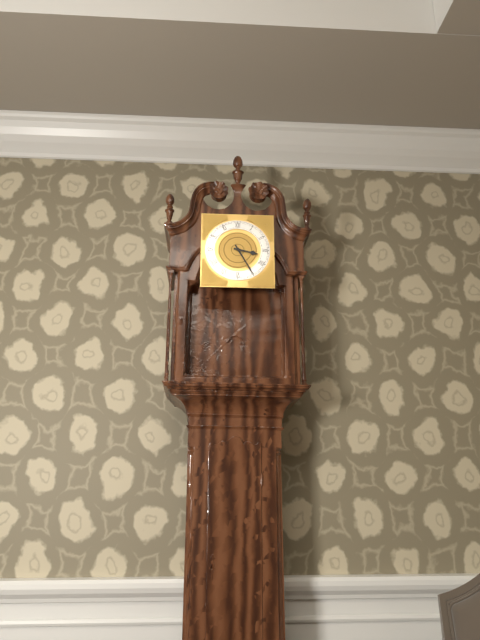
3:25
